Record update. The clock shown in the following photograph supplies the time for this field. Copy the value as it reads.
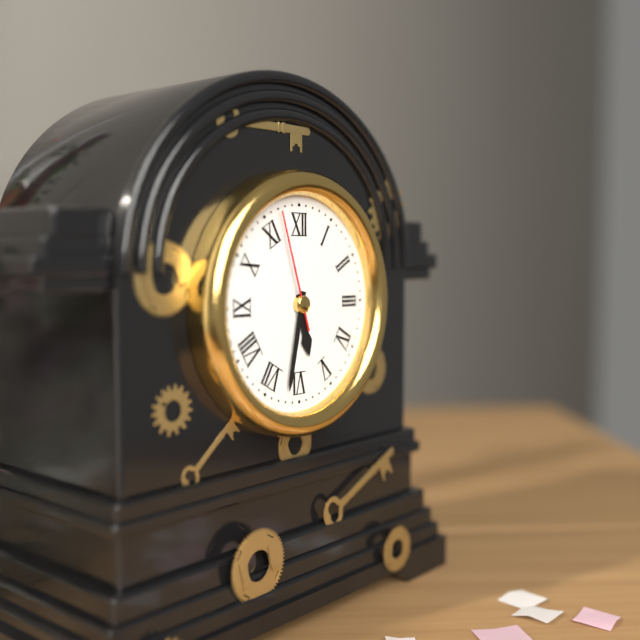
5:32:57
